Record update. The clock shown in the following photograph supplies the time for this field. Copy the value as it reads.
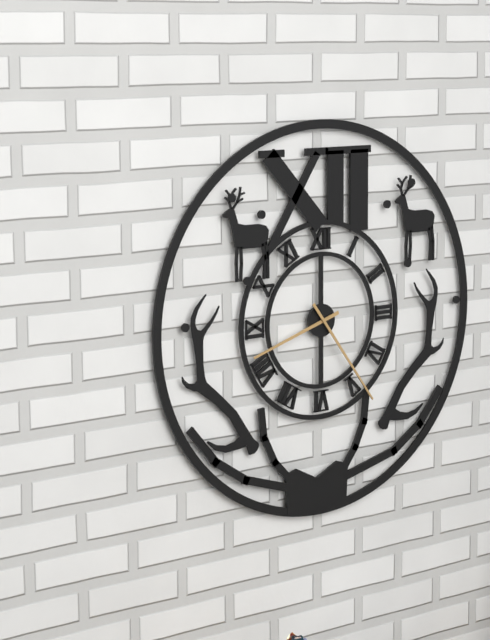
8:24
